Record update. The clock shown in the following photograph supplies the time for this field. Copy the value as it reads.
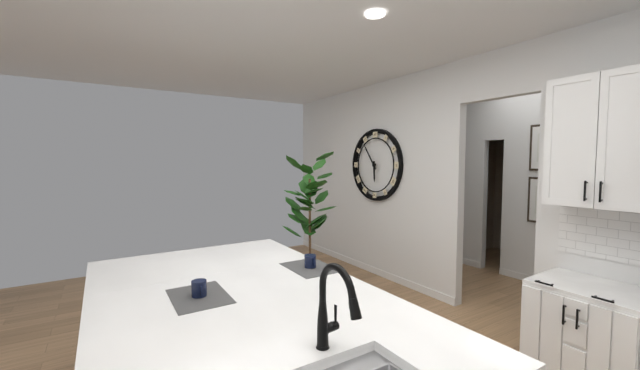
5:54
